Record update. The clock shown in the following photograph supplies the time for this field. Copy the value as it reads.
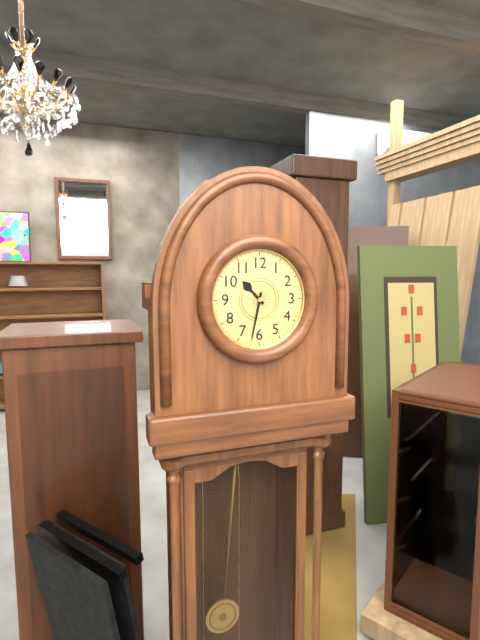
10:32
